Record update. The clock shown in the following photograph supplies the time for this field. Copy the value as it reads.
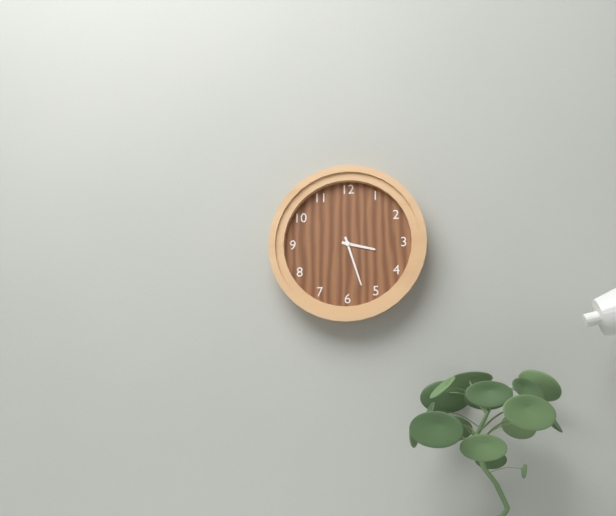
3:27
